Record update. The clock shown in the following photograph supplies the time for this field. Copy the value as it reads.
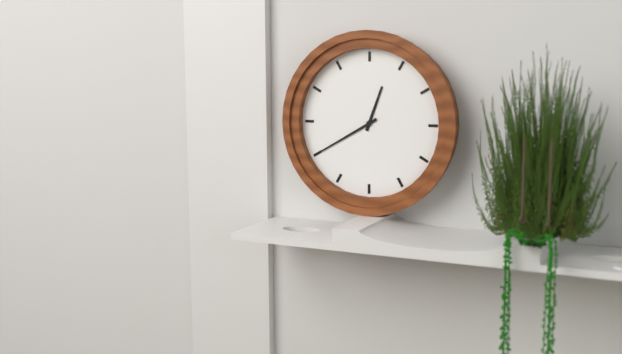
12:40
